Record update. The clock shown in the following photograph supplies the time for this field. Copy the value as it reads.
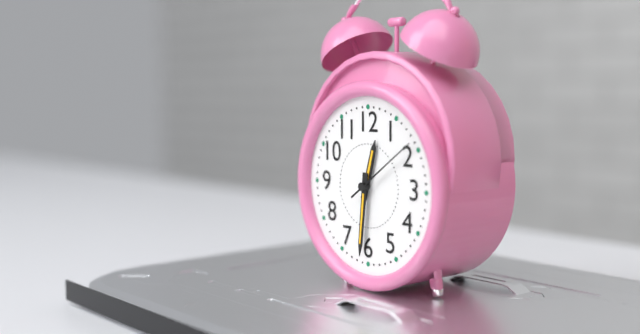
12:31:09
